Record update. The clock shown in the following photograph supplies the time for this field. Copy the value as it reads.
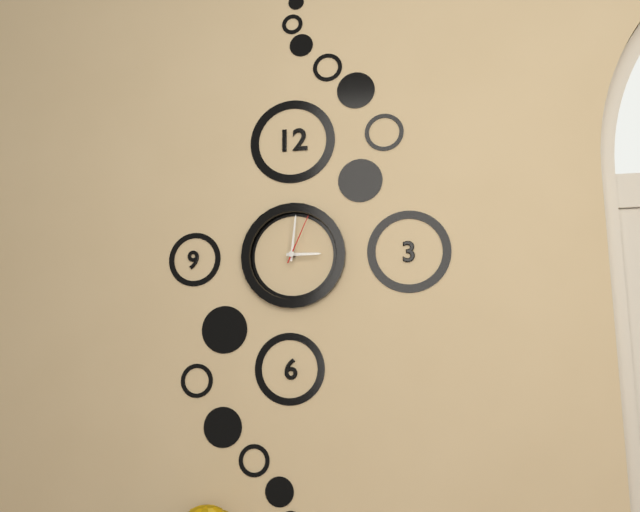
3:01:04
